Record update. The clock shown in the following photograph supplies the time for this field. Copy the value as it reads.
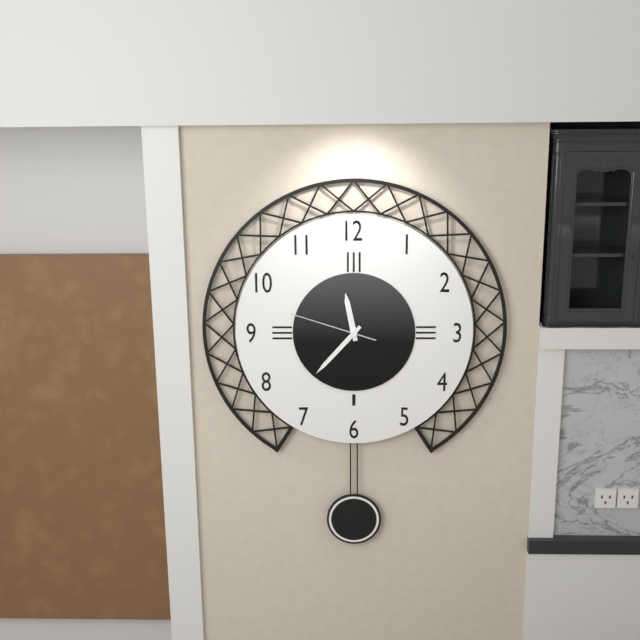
11:37:48
